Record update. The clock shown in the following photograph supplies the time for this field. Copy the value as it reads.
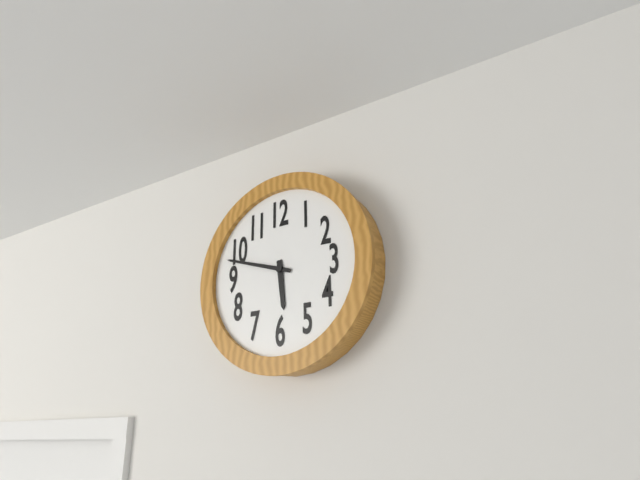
5:48
